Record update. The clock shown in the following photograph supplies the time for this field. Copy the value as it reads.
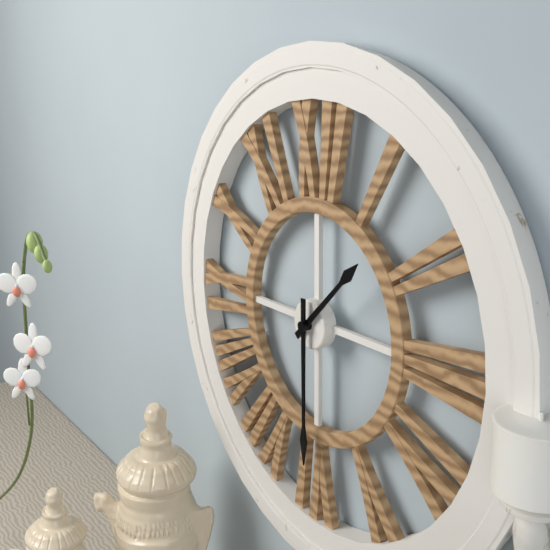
1:30
